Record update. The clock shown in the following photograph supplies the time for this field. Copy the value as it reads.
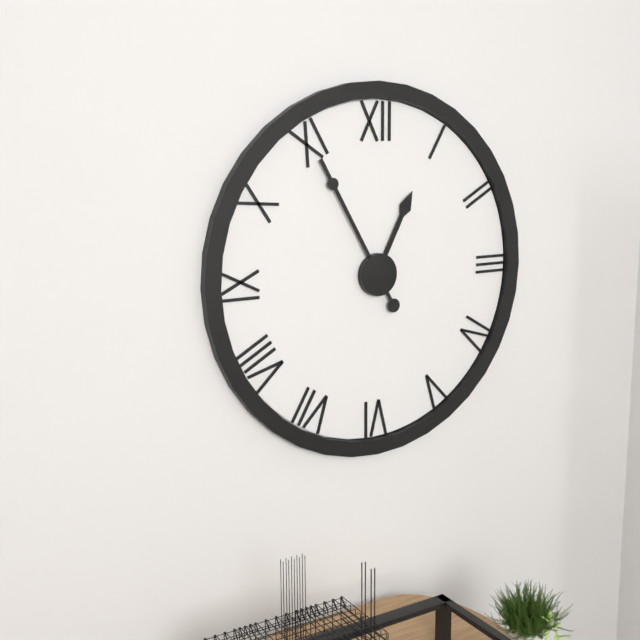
12:55
